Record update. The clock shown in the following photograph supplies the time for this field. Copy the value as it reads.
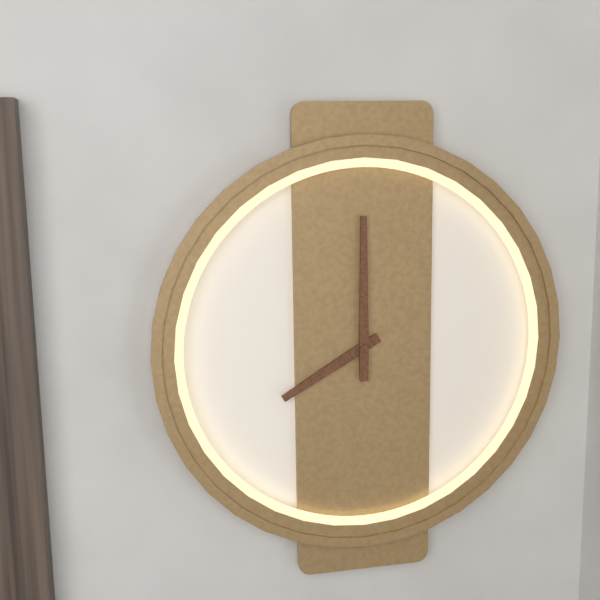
8:00
